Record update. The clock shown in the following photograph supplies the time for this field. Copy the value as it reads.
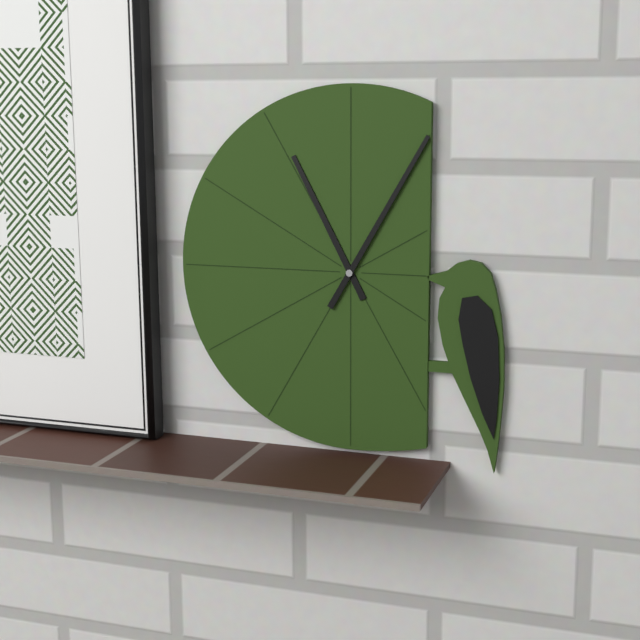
11:05
